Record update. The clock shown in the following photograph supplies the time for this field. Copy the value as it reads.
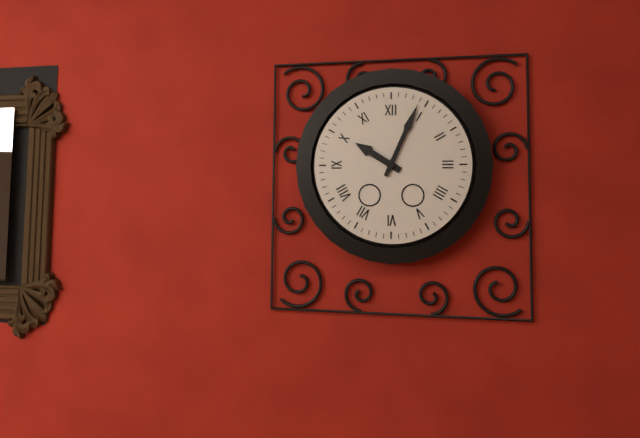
10:04
